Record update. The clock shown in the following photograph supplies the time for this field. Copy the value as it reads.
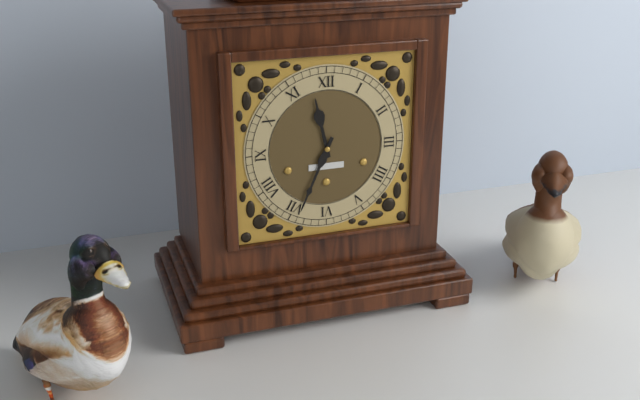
11:34
